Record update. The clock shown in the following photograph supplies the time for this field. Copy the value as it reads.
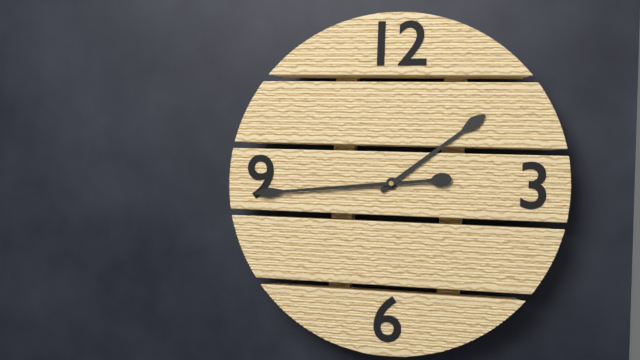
1:44
